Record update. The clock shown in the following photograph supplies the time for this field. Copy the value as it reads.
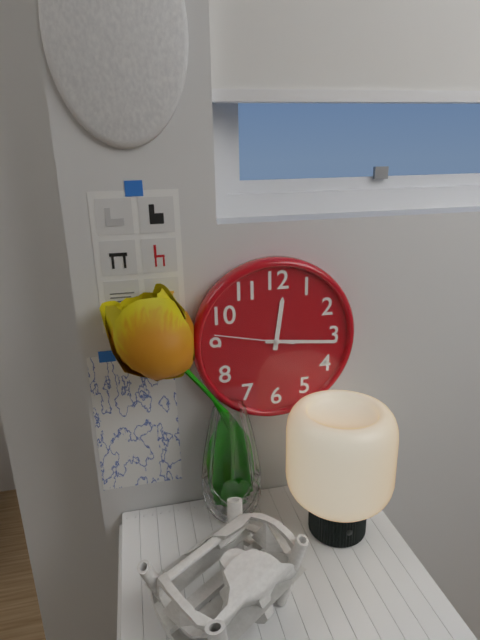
12:16:47
